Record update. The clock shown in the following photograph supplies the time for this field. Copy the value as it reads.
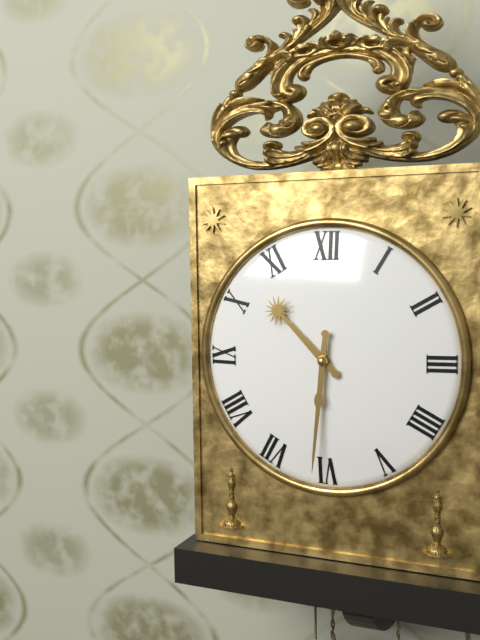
10:31
